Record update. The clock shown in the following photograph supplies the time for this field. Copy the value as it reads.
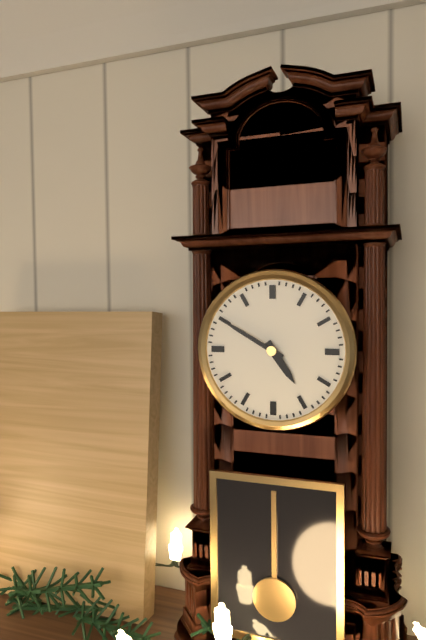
4:50
